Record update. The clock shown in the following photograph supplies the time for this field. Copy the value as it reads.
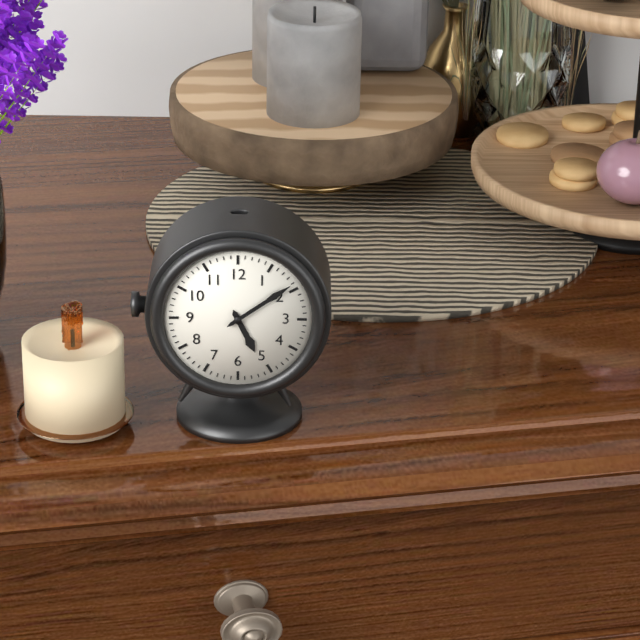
5:09
